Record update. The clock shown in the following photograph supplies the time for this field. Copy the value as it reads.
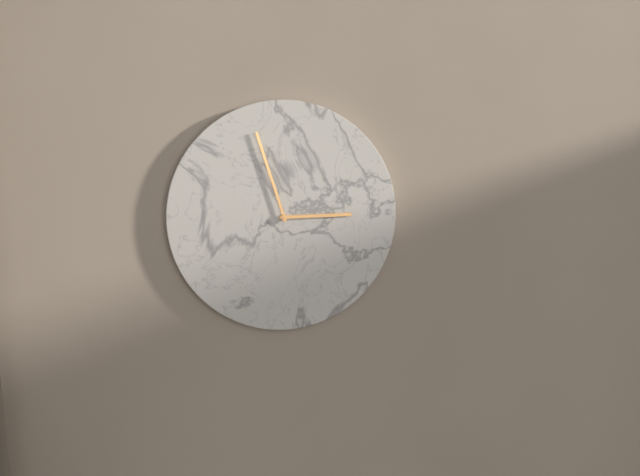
2:57
